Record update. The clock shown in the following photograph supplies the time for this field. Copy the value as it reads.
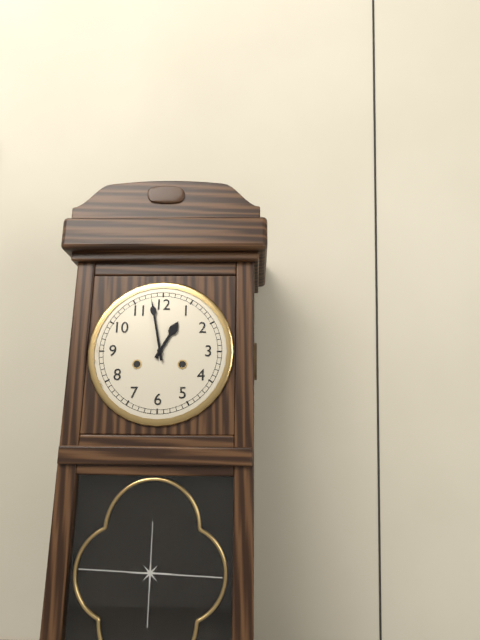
12:58
